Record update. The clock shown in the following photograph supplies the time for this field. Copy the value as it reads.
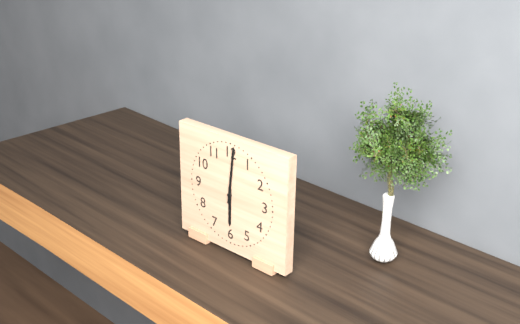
6:01
